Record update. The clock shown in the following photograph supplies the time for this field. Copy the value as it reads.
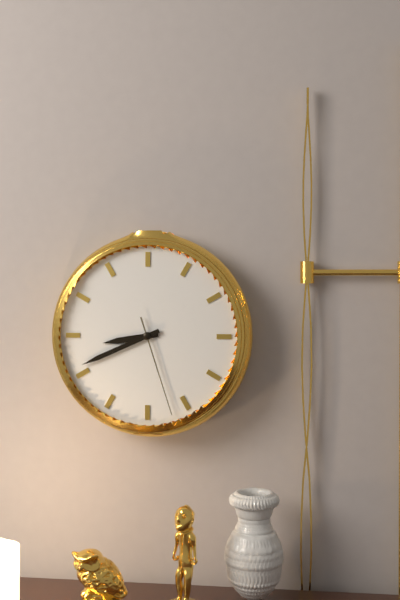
8:41:27
